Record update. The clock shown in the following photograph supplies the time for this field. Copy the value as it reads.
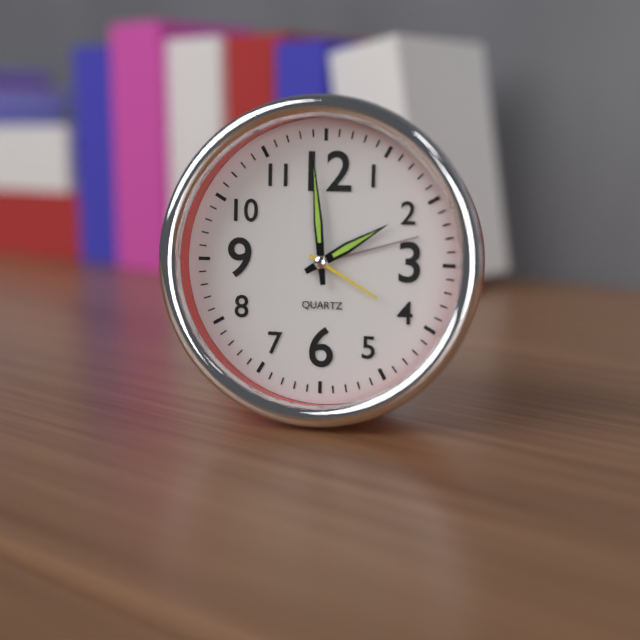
1:59:20
